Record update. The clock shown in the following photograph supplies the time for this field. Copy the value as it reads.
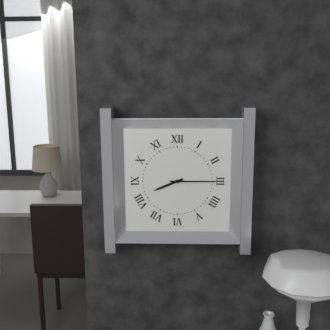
8:15
